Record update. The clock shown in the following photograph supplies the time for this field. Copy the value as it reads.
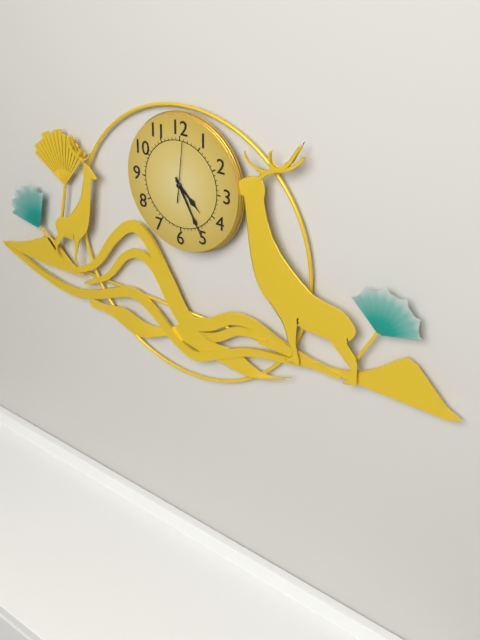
4:25
